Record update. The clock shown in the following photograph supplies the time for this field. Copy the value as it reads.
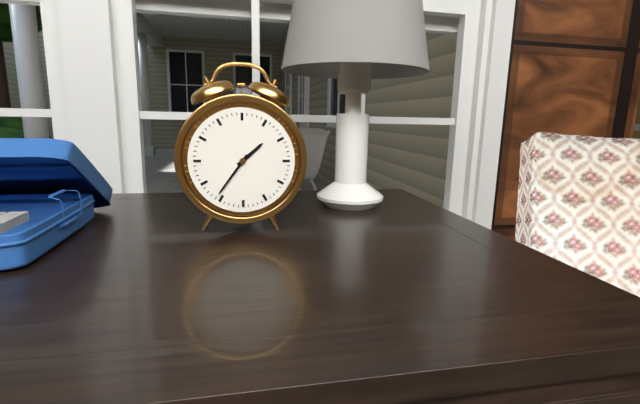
1:36
